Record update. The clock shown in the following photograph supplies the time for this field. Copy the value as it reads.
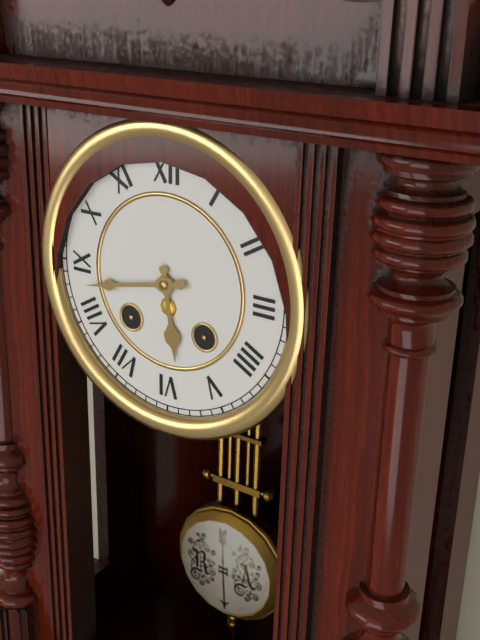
5:43
